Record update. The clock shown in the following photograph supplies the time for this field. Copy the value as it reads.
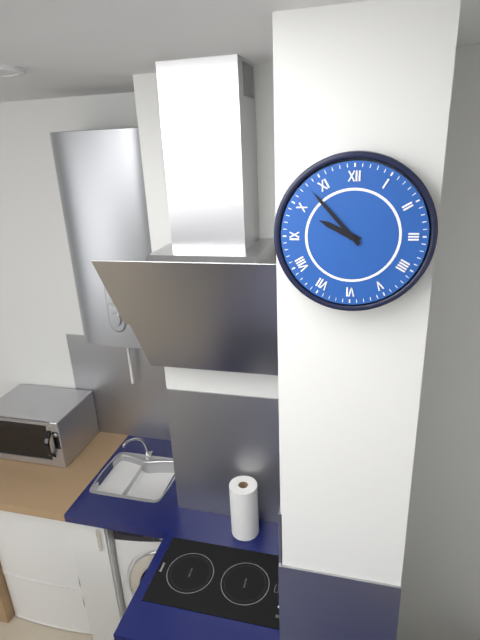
9:53
